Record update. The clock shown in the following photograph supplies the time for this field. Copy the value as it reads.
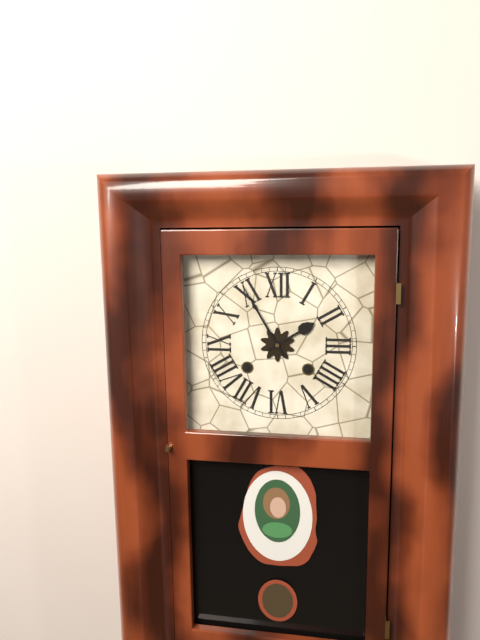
1:55
